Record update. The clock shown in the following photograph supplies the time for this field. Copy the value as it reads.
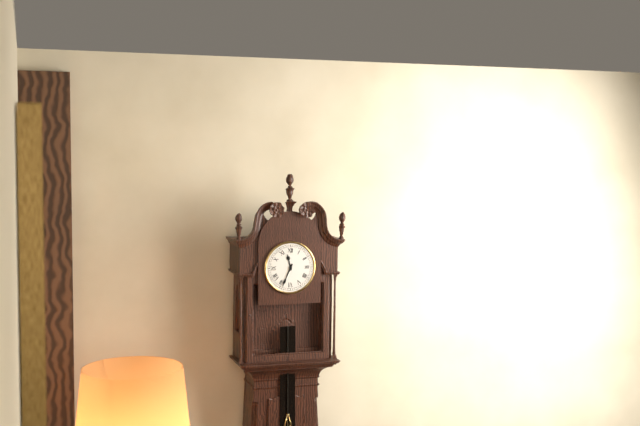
11:34
